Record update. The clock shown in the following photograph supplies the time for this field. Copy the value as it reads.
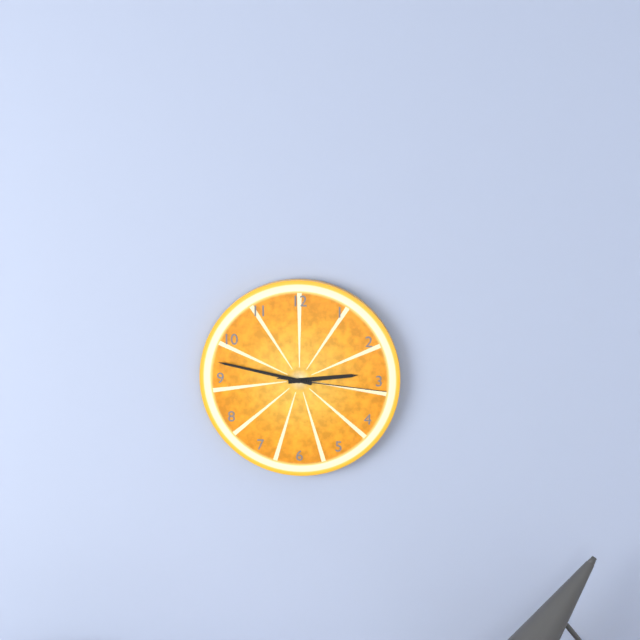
2:47:16
